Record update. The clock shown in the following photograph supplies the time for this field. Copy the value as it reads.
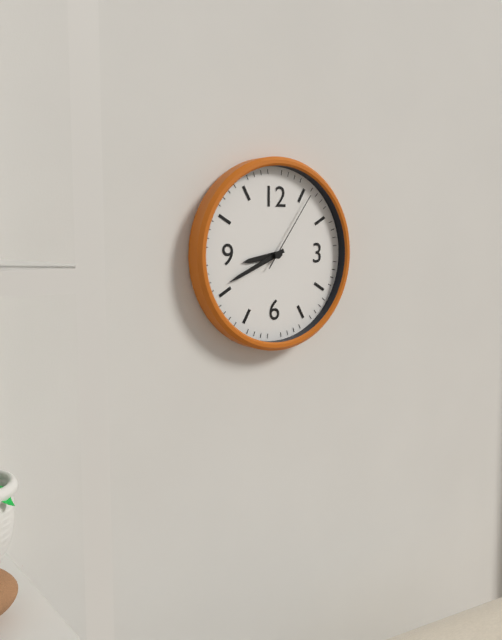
8:41:06
